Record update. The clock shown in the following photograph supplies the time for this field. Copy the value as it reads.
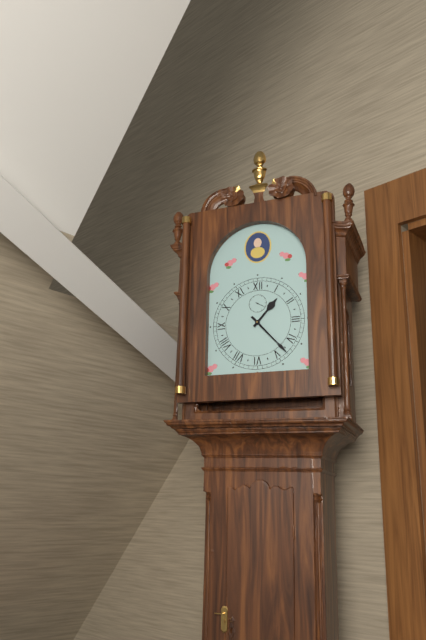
1:23
